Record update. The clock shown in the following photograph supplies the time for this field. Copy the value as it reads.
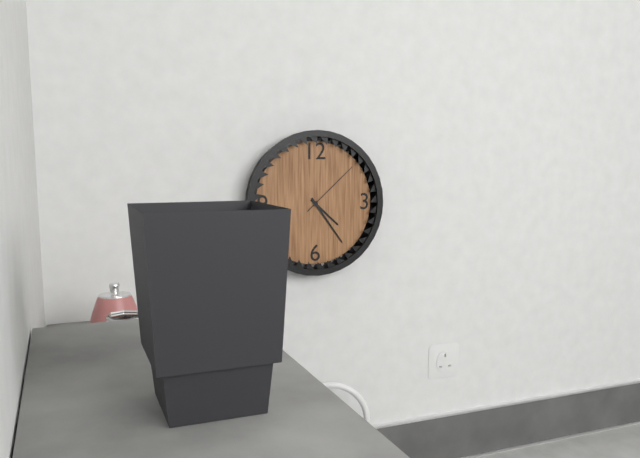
4:24:08
